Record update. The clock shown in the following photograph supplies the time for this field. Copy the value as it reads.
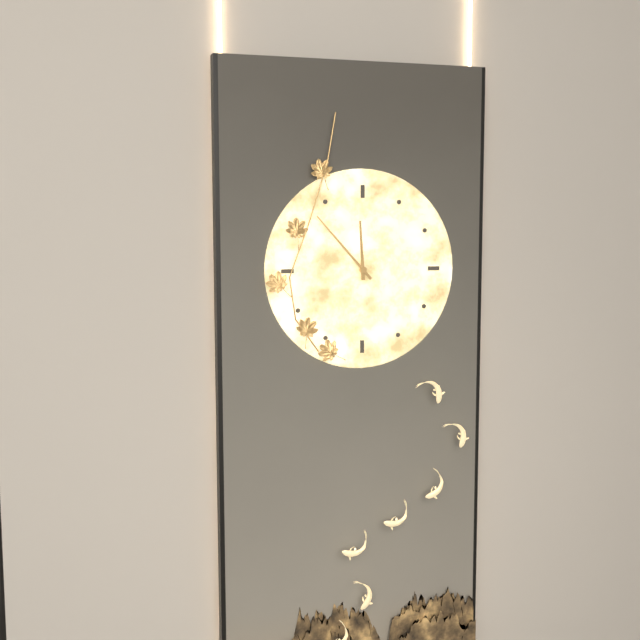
11:53
